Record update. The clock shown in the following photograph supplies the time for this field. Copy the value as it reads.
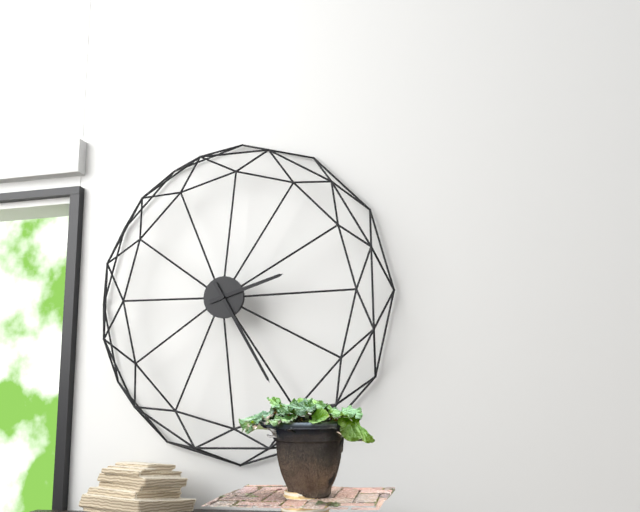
2:25
